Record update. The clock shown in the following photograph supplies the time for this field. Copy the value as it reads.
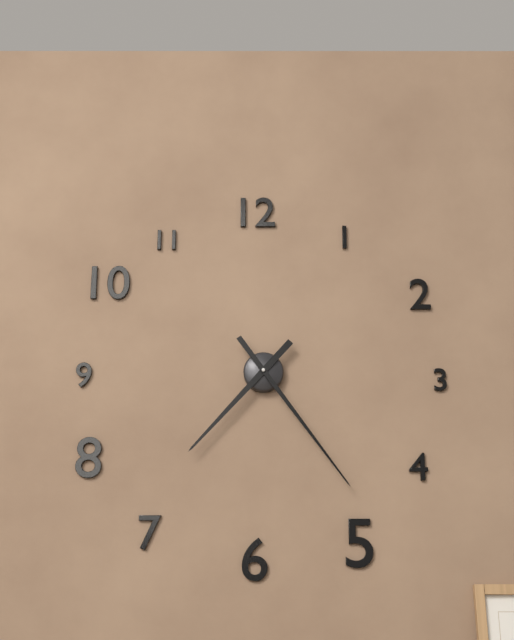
7:24
